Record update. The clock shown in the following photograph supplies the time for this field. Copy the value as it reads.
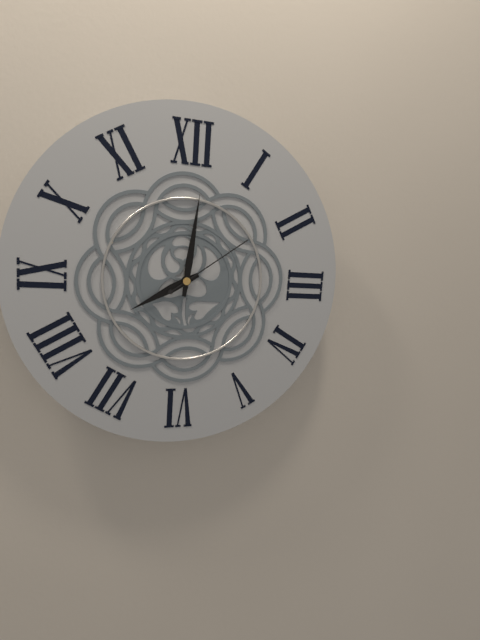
8:01:09
